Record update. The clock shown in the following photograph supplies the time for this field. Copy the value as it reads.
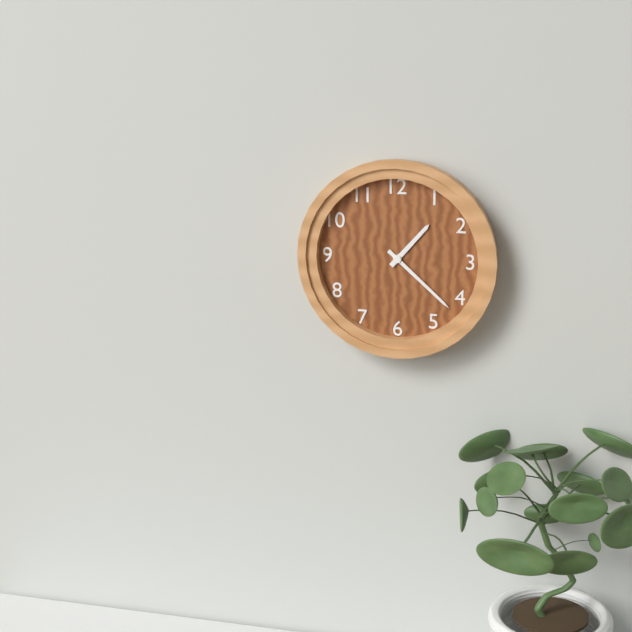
1:22
